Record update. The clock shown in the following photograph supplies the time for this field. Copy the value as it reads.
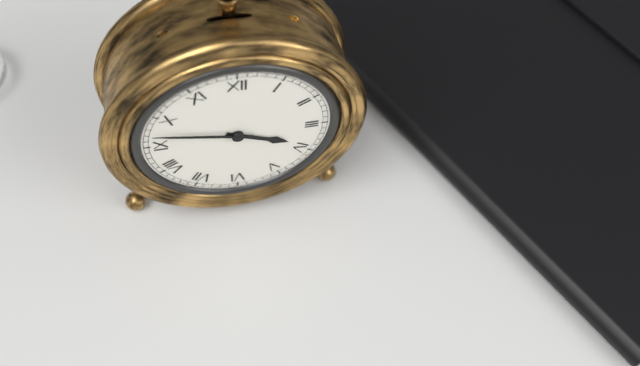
3:47
